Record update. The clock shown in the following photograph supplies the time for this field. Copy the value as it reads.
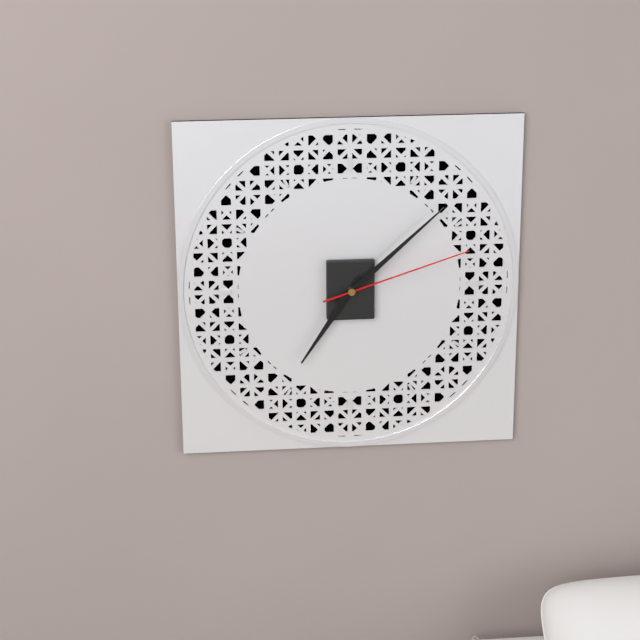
7:08:12
